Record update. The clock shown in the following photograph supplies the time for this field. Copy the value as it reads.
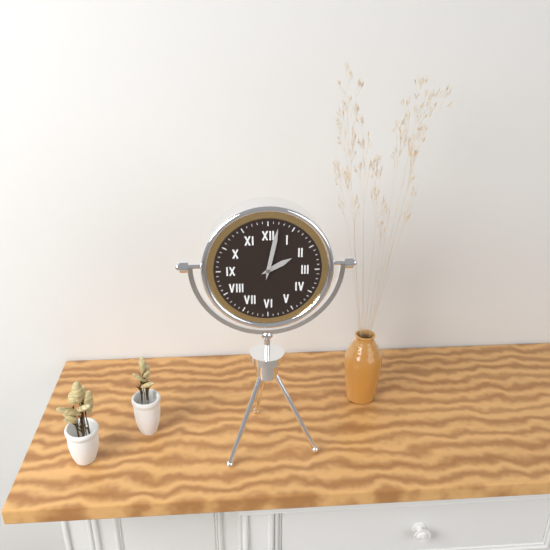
2:02
